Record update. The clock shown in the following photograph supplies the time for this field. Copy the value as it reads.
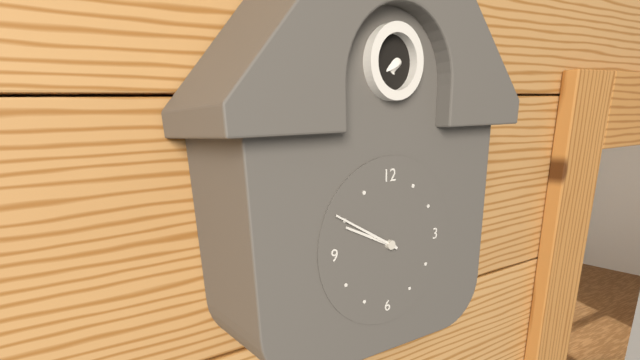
9:50
